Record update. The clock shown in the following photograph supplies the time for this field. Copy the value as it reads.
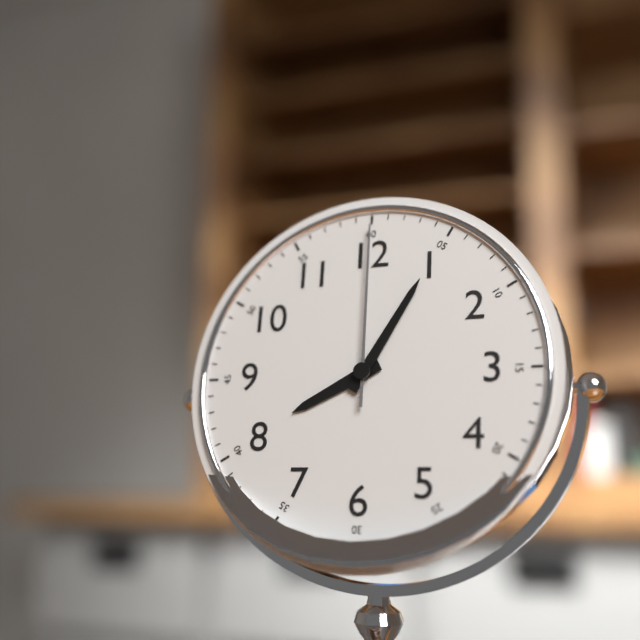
8:05:00
